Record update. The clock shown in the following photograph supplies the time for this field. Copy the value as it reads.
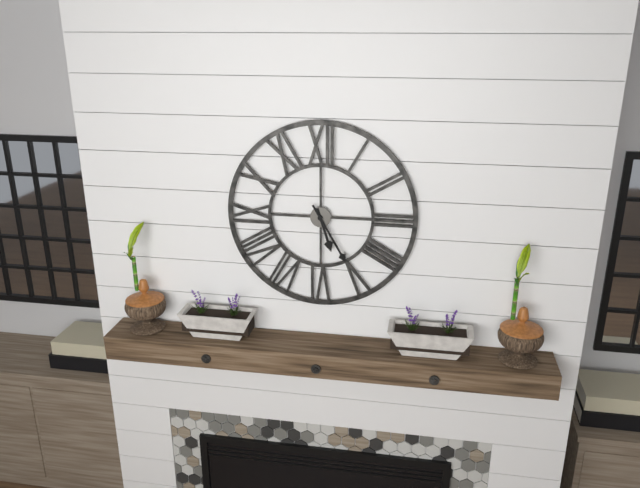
5:25
